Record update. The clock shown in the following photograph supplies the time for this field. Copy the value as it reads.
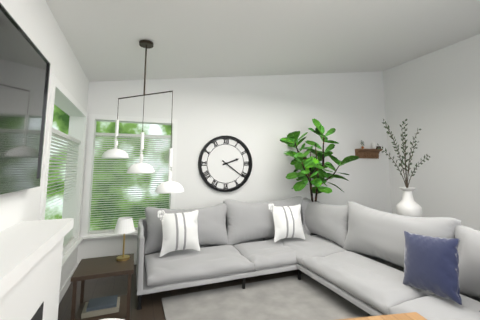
2:21
